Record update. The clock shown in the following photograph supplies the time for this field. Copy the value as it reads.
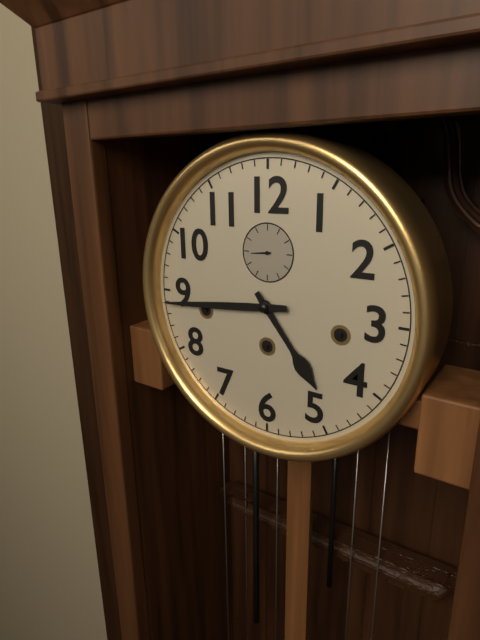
4:44
